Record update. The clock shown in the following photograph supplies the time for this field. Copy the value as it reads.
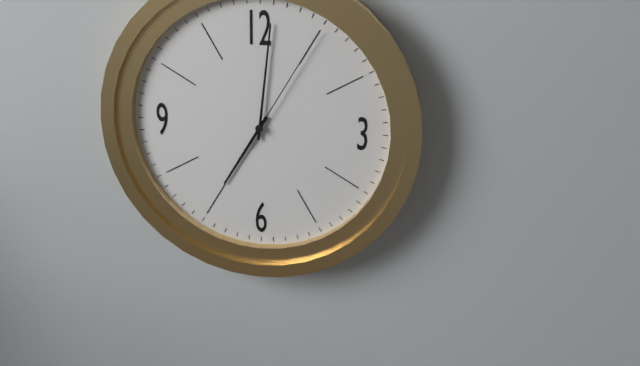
7:01:05
